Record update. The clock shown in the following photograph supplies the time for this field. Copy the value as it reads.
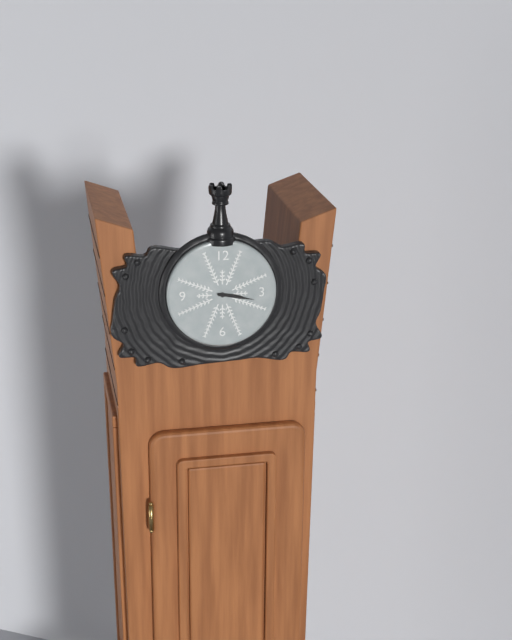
3:17
